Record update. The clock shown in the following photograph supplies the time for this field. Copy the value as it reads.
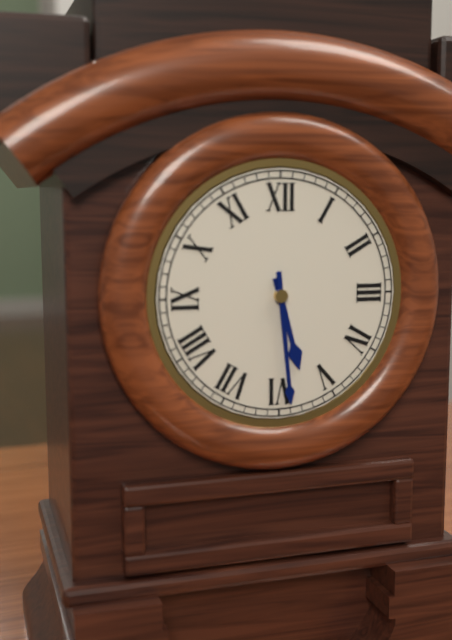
5:29
